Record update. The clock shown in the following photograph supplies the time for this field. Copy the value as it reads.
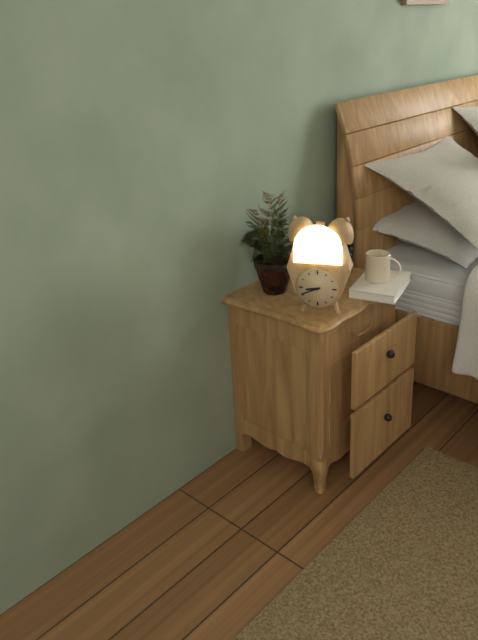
8:41
